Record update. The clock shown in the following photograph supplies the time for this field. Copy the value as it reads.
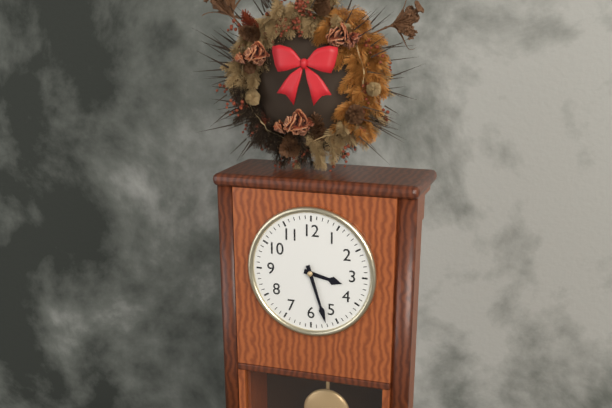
3:27
